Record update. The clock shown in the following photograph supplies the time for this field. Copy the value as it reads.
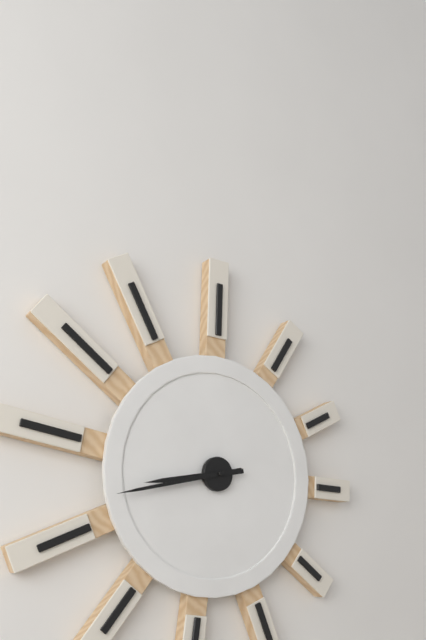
8:43
